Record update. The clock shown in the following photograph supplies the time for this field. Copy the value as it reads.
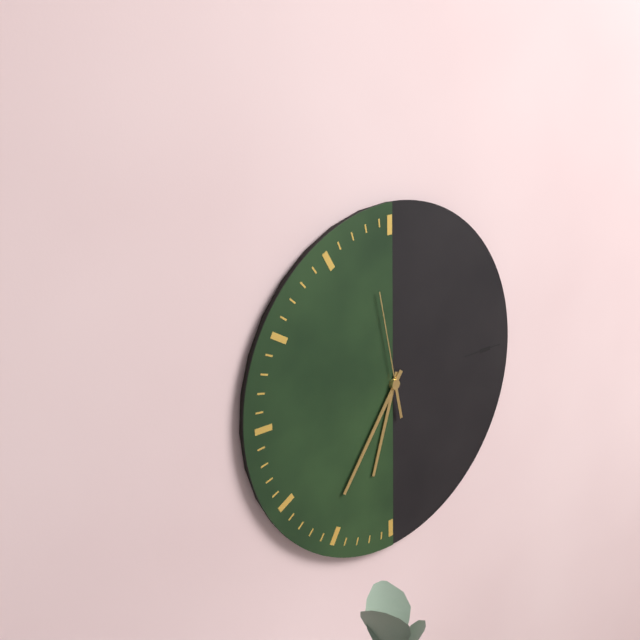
6:36:58
